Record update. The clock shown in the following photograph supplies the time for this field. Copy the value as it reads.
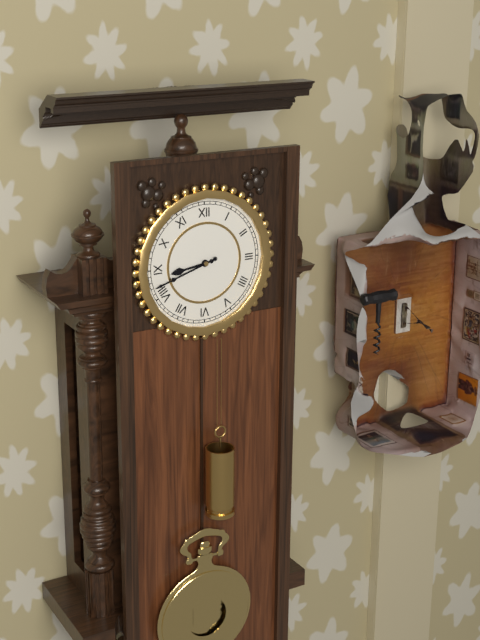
8:42
